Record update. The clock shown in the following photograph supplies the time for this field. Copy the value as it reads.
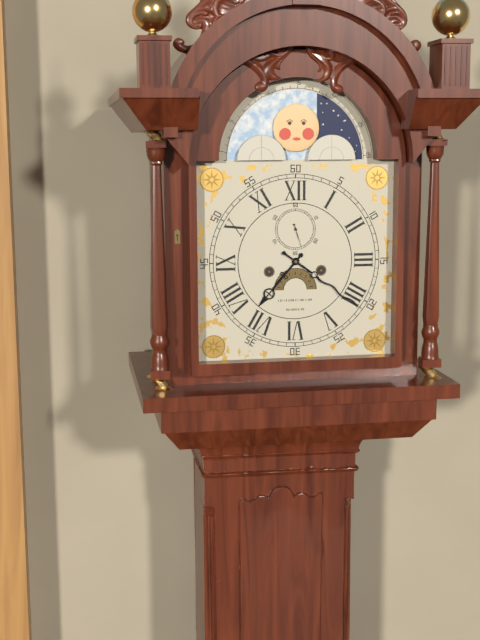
7:21
